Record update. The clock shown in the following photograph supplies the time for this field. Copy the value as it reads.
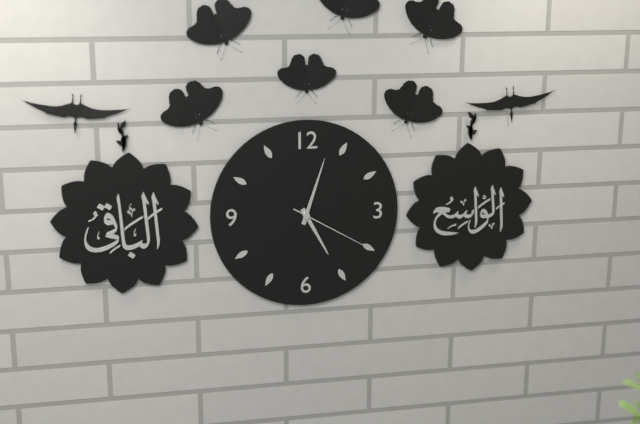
5:03:20
